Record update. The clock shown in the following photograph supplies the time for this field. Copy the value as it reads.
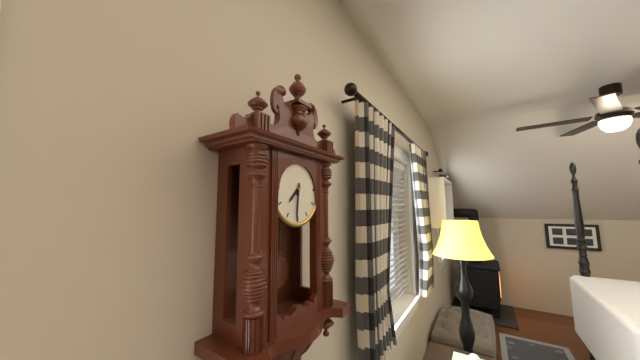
7:31
